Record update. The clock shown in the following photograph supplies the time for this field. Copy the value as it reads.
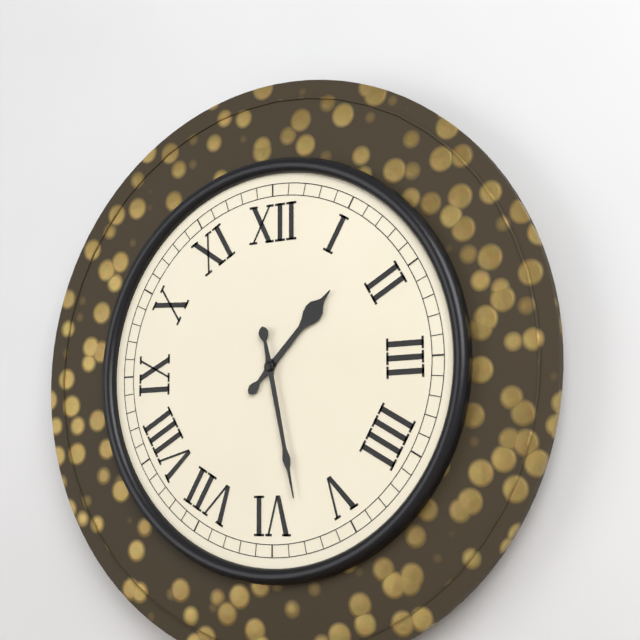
1:28
